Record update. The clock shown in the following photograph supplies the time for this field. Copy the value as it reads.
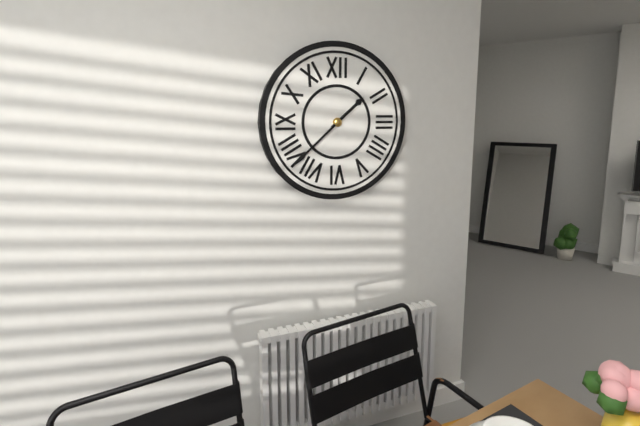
1:38
